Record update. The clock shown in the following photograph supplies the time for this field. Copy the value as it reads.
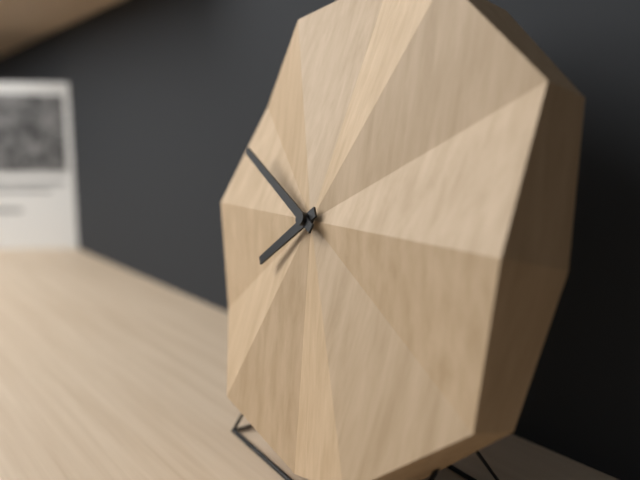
7:49
